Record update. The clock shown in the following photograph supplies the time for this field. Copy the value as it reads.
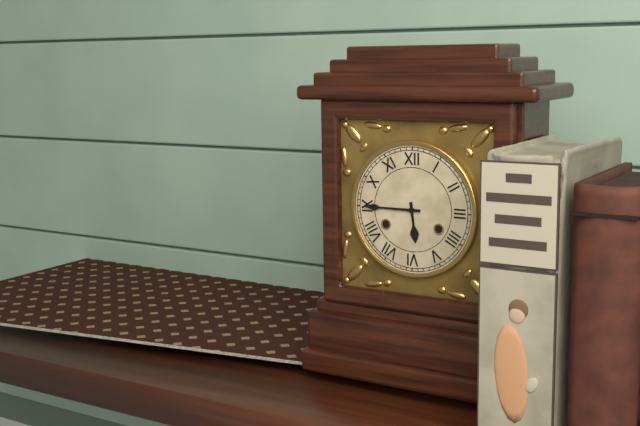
5:45
